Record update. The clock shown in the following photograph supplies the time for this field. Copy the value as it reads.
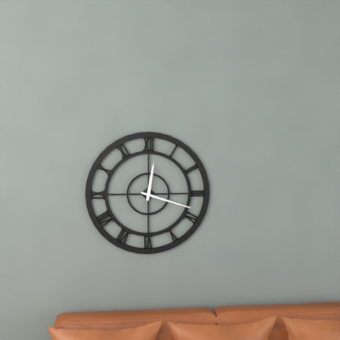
12:18
